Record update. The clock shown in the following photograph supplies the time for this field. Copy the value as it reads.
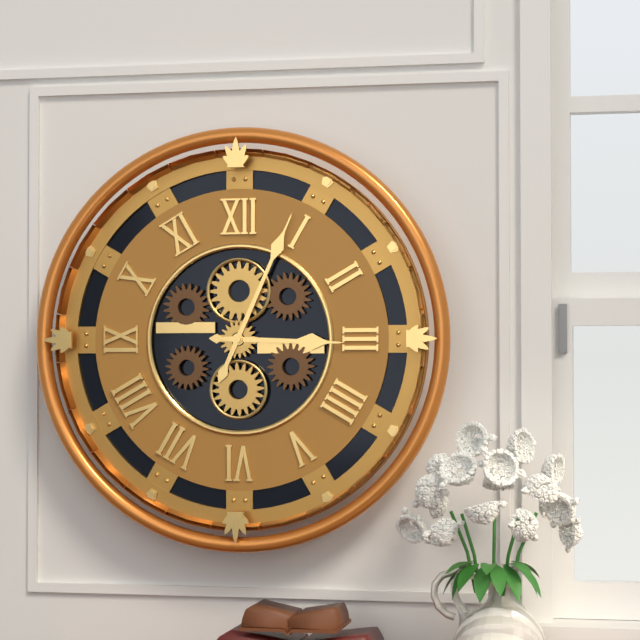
3:04
